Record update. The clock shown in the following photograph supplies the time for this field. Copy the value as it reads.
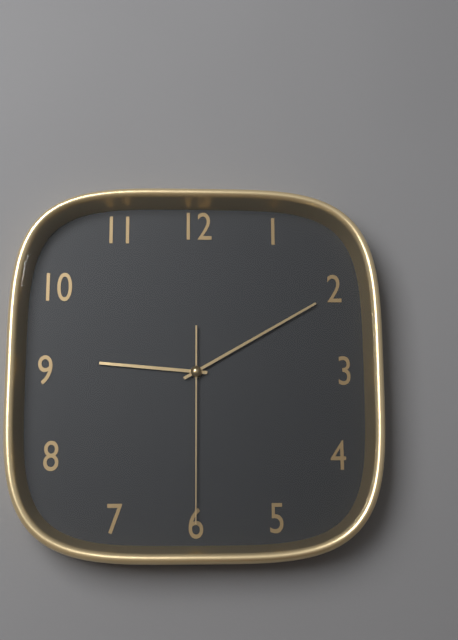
9:10:30
